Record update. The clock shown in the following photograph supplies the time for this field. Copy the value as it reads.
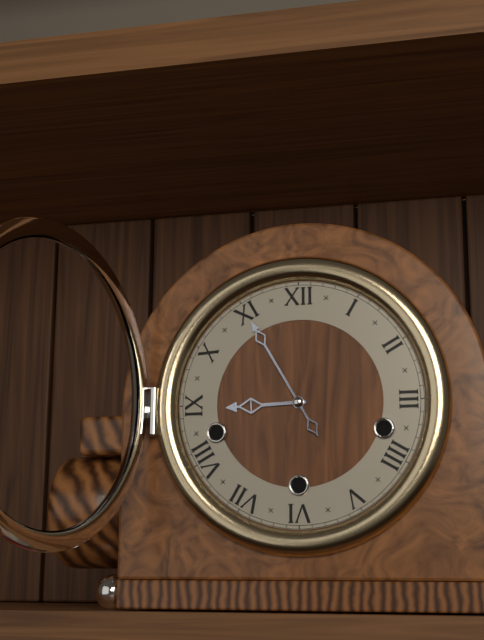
8:55
